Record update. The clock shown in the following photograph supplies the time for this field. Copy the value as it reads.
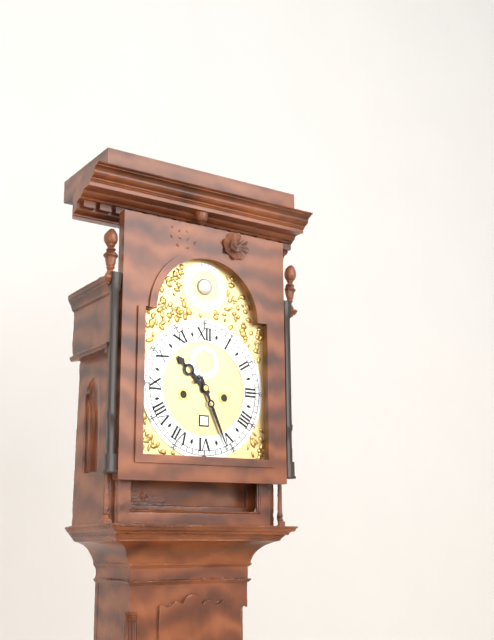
10:26
